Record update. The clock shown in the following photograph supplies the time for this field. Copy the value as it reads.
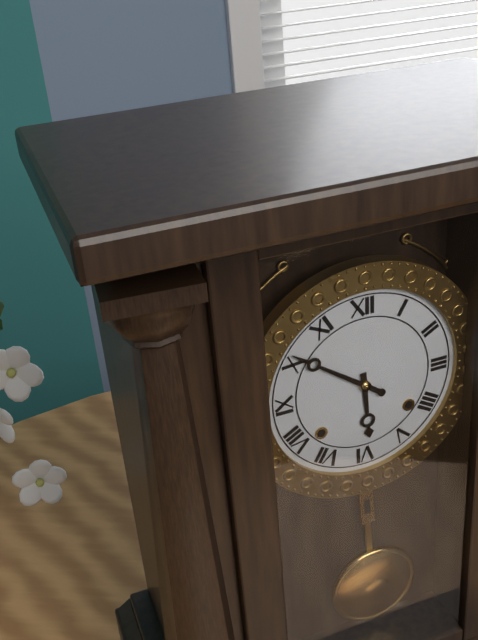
5:51
